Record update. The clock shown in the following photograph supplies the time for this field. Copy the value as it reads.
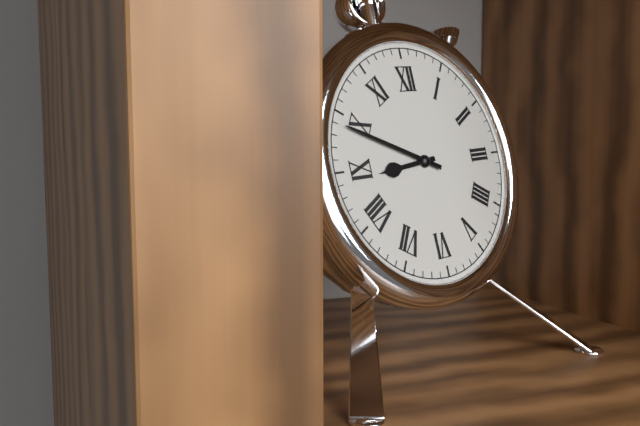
8:49
